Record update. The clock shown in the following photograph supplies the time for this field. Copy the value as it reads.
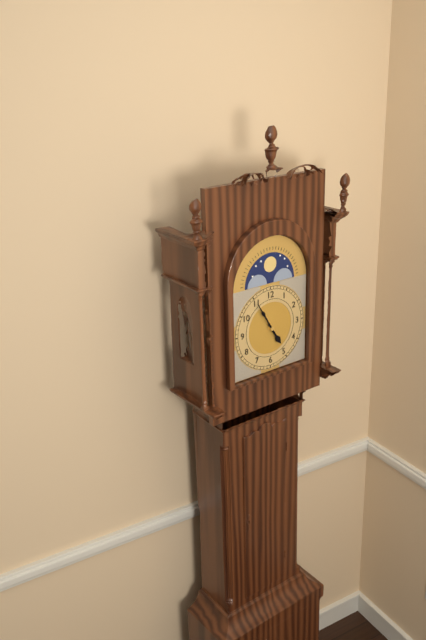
4:55
